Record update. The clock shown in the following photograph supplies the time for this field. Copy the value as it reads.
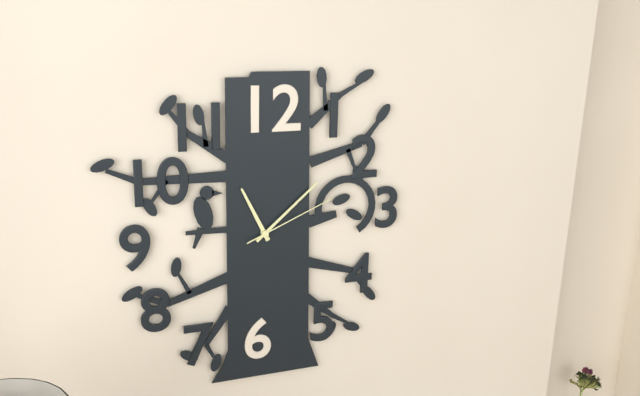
11:08:11
